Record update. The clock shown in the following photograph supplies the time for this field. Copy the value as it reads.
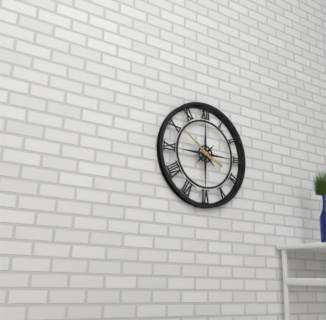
3:51
